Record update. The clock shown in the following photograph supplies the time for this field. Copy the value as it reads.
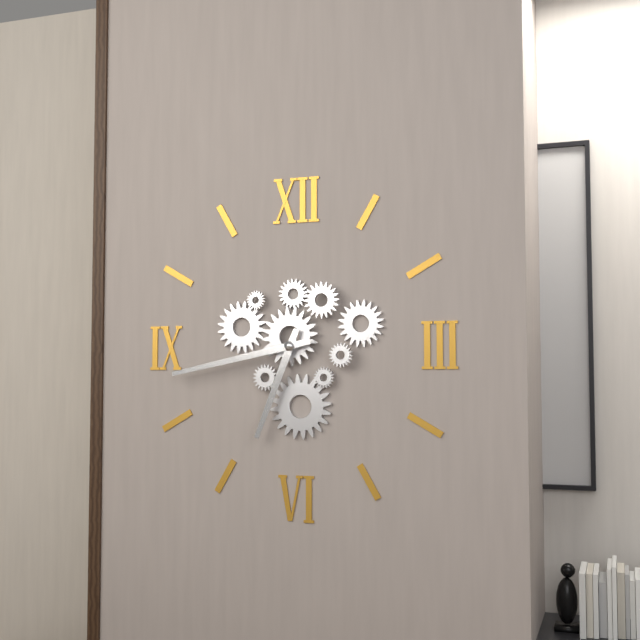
6:43
